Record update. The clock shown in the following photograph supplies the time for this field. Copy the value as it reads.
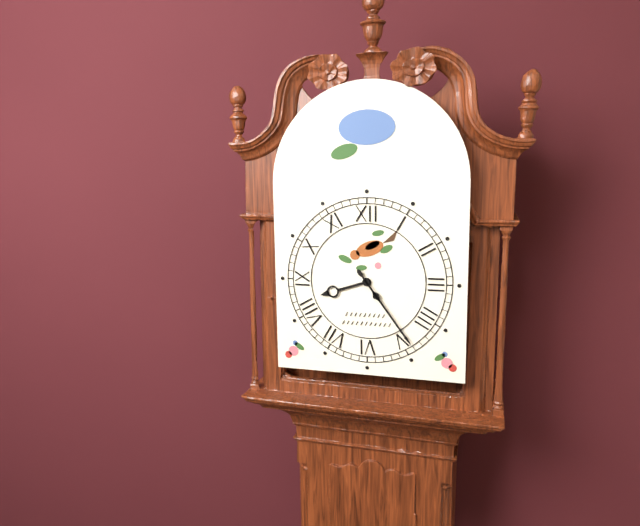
8:24
